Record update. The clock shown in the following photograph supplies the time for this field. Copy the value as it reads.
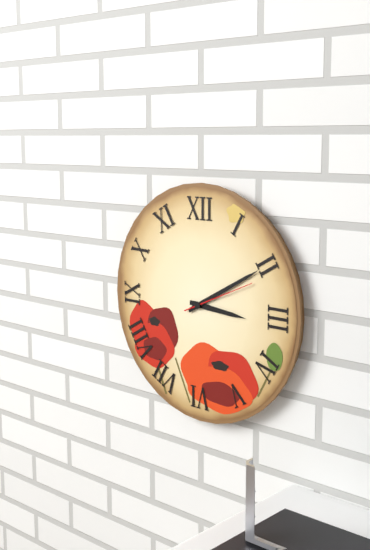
3:10:11
